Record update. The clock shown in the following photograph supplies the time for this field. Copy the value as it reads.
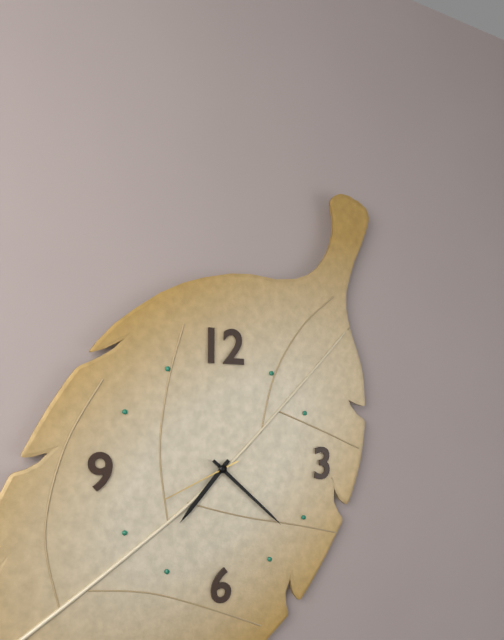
7:22:41
